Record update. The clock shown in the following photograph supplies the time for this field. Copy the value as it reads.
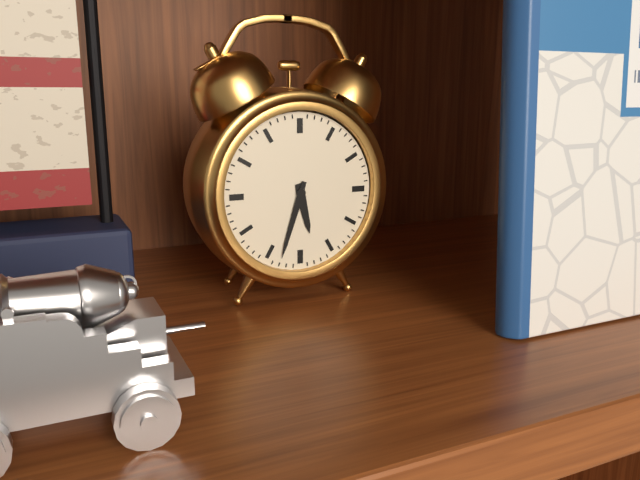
5:33
